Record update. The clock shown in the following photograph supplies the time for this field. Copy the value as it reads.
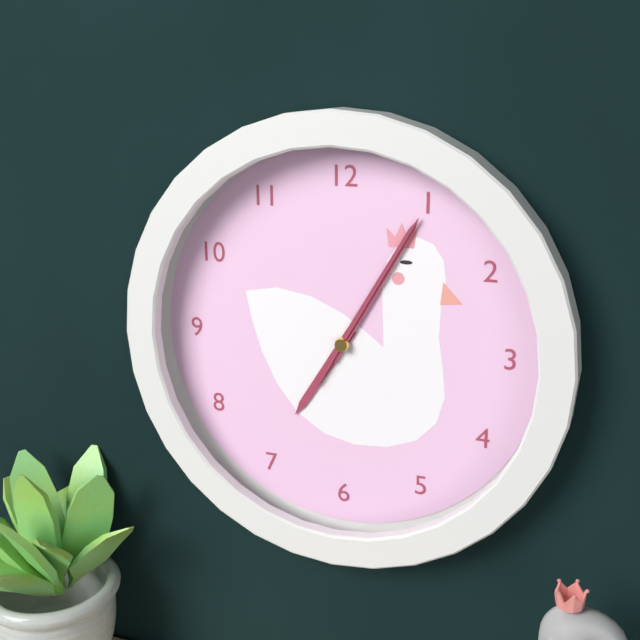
7:05:05
